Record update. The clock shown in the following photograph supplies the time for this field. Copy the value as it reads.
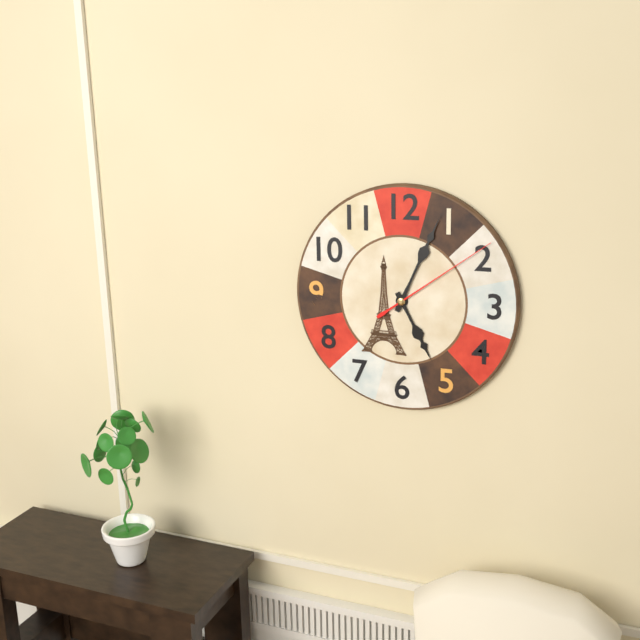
5:04:09
